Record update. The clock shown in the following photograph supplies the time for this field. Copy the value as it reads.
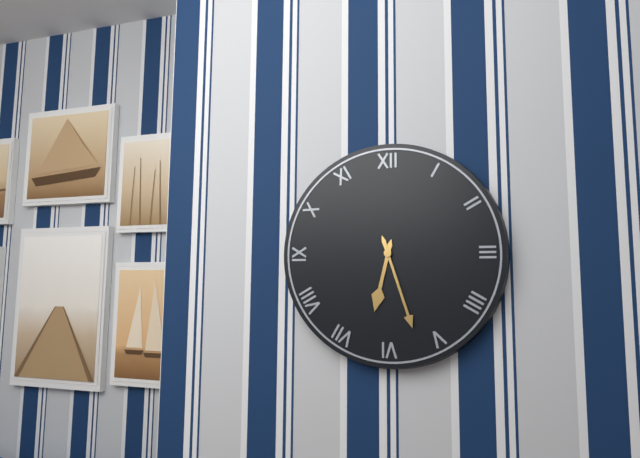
6:27
